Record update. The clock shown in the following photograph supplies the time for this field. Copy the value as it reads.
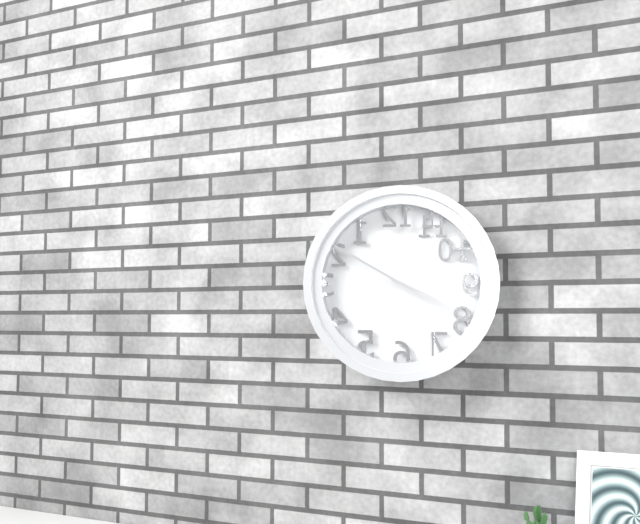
3:50
